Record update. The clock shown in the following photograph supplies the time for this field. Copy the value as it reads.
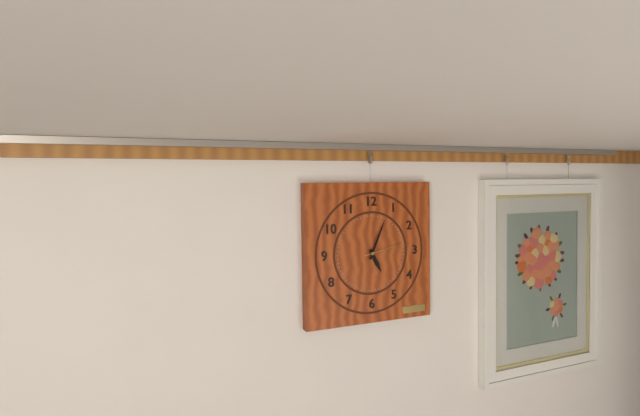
5:04
